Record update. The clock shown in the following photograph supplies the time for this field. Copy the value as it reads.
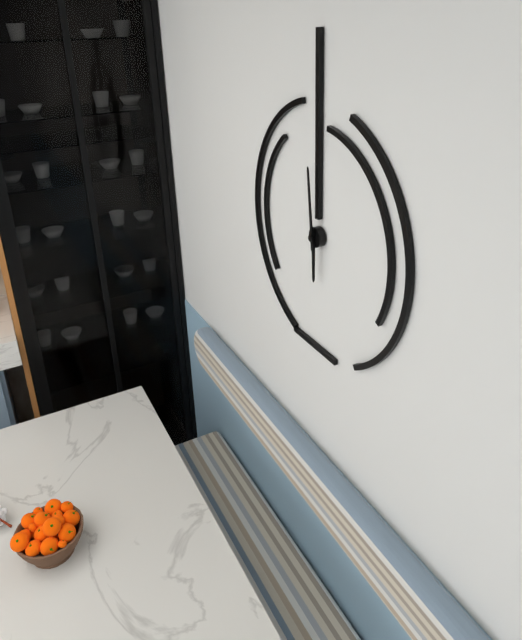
5:59
